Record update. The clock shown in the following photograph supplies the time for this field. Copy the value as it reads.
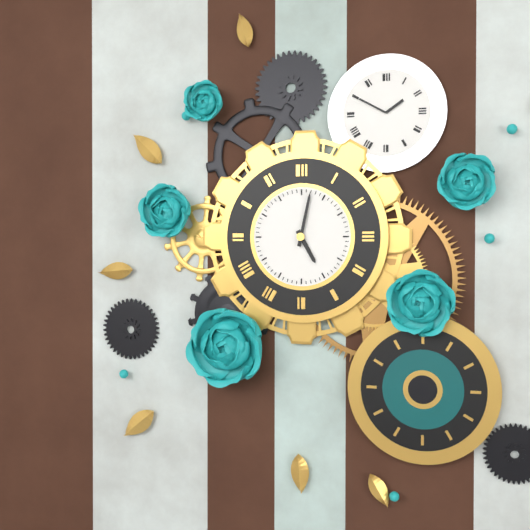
5:02
